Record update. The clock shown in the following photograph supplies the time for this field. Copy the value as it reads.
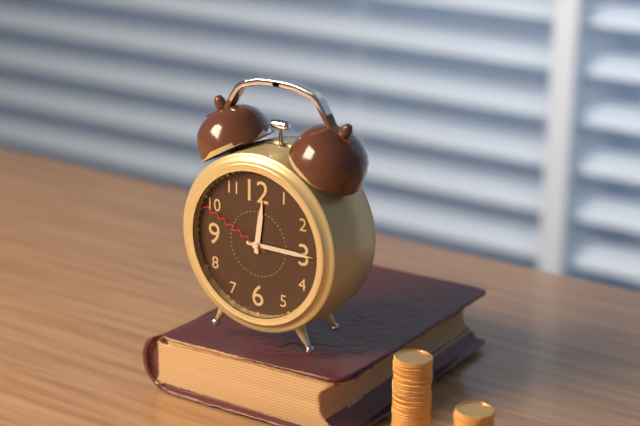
12:15:49
